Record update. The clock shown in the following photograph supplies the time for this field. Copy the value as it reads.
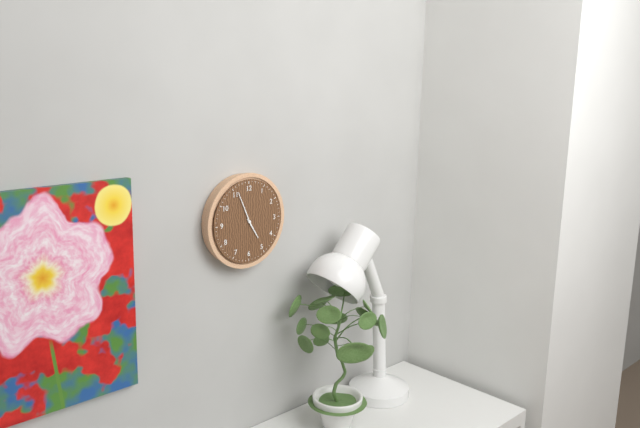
4:56
